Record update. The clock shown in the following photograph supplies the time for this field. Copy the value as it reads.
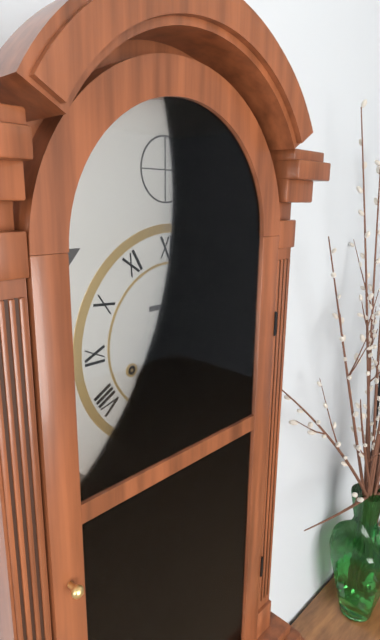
7:29
